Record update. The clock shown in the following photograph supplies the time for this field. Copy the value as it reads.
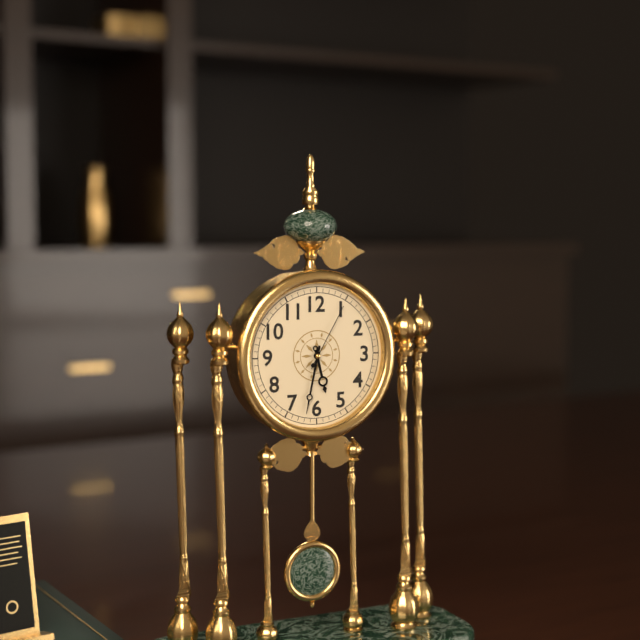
5:32:05
